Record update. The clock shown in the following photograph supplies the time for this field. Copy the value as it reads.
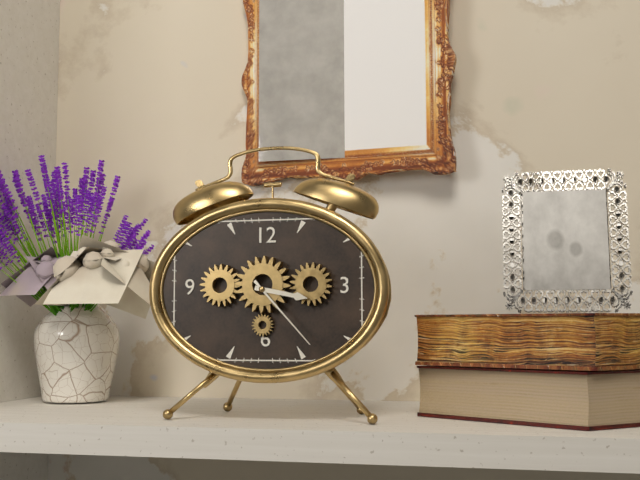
3:23
